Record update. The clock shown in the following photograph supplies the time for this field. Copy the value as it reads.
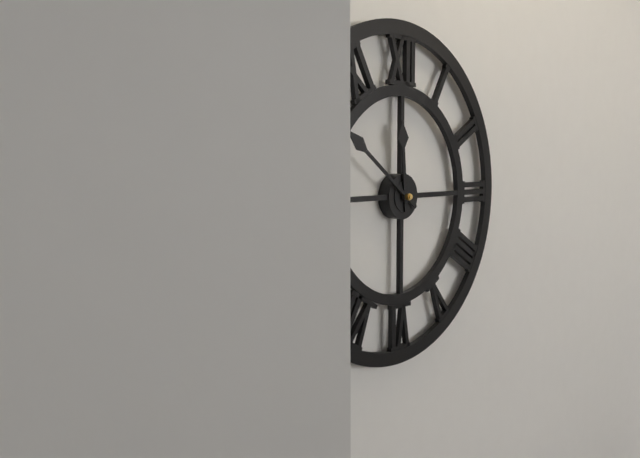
11:51
